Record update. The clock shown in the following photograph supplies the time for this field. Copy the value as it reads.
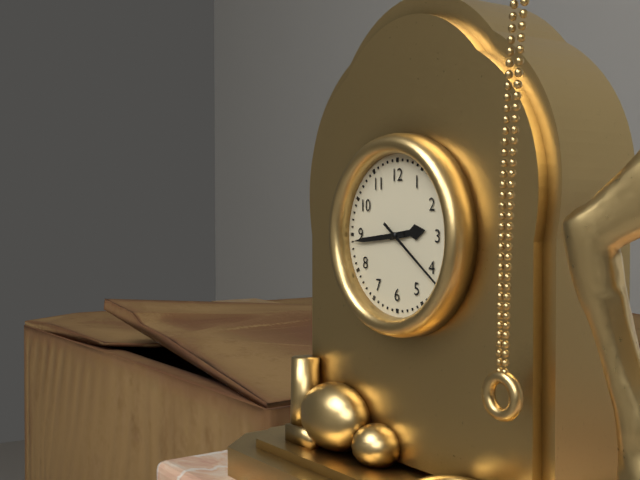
2:44:21
